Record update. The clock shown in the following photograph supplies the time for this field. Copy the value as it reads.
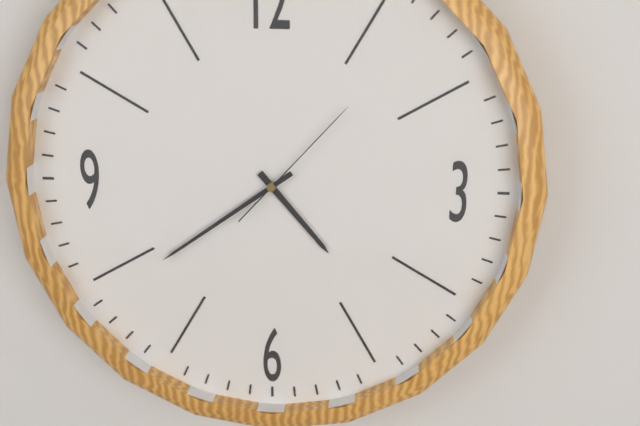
4:39:07
